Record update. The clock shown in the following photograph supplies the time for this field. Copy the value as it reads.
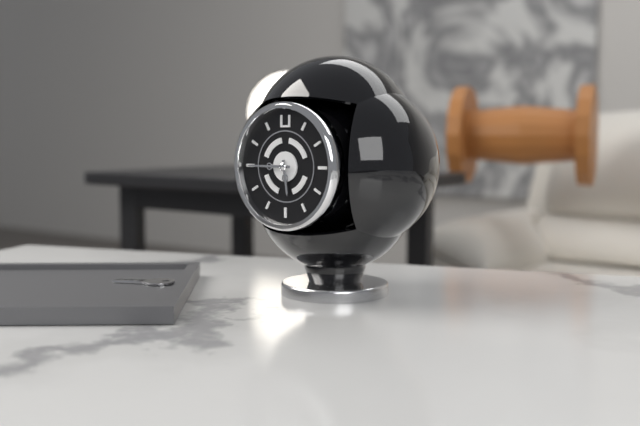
5:45
